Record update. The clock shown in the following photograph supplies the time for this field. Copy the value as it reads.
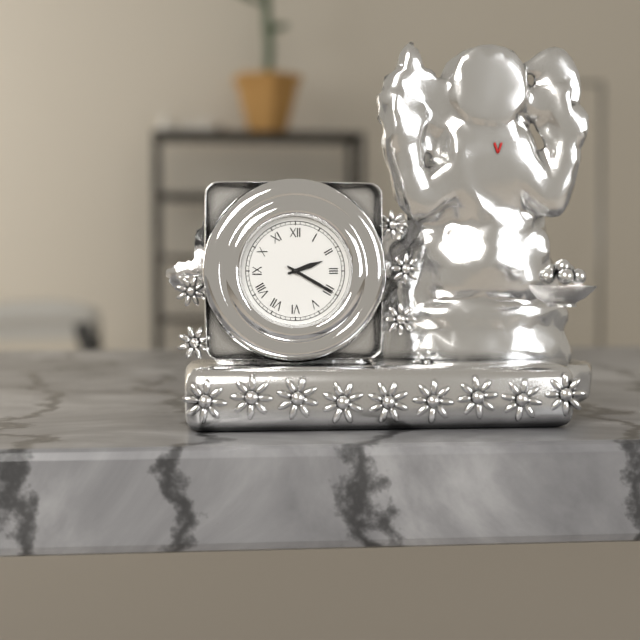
2:20
